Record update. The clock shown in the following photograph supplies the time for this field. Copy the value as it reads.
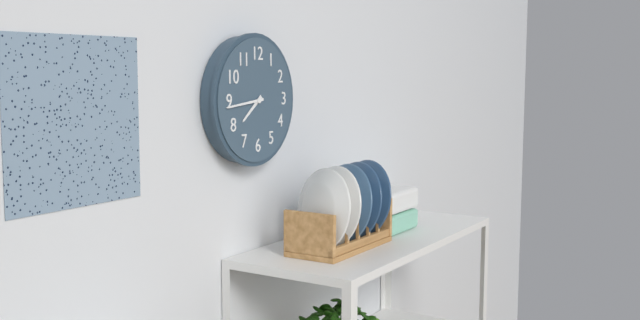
7:44
